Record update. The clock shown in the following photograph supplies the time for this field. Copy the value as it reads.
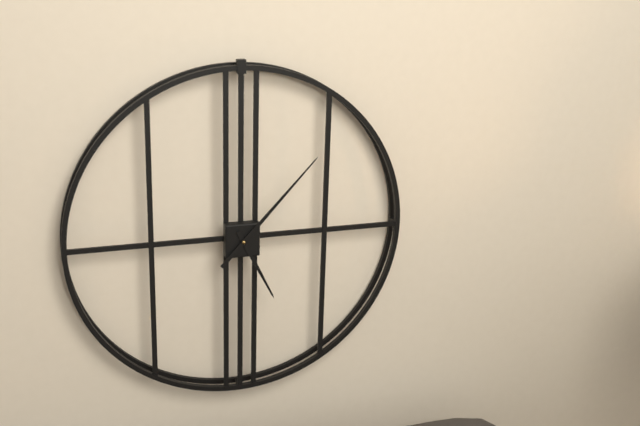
5:07
